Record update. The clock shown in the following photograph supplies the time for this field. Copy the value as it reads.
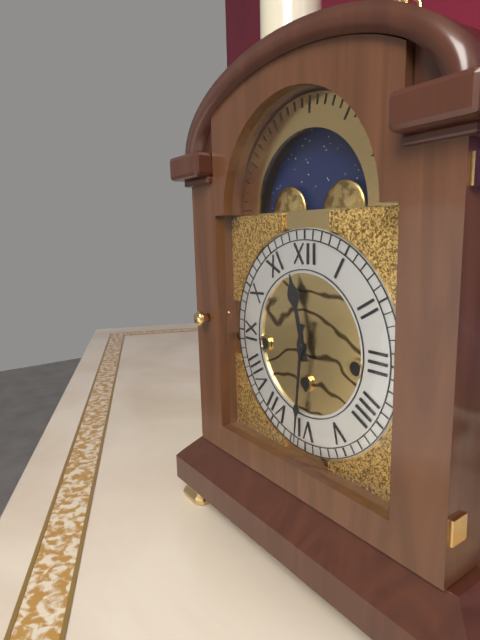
11:31
